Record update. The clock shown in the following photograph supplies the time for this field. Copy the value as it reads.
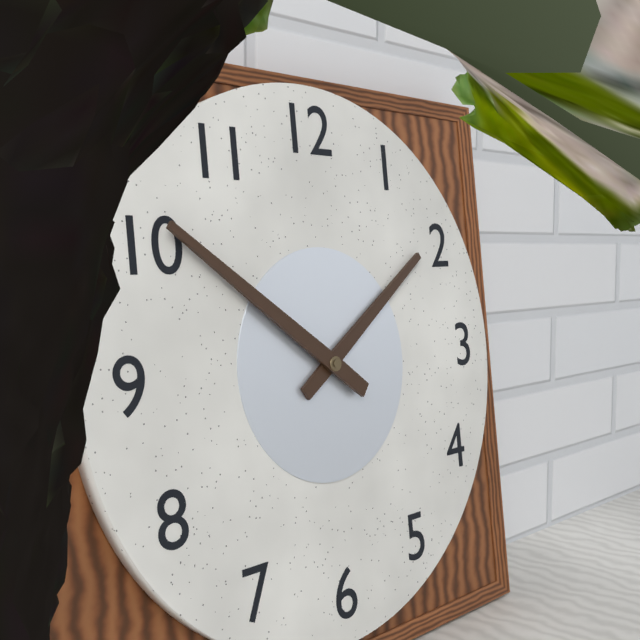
1:51
